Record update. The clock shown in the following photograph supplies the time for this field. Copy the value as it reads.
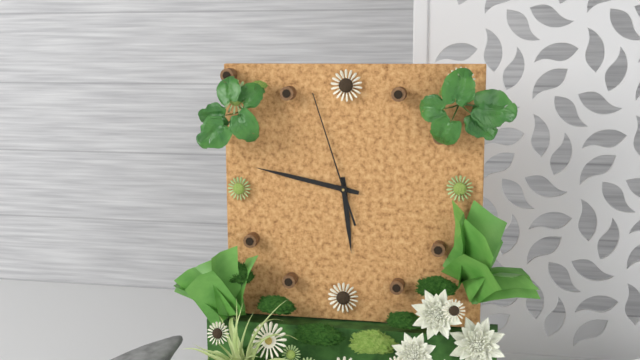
5:47:57
